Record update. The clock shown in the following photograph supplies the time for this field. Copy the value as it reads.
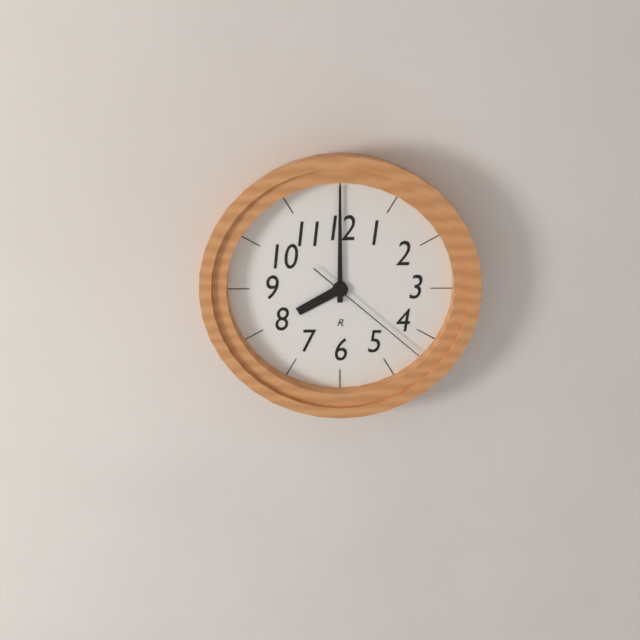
8:00:22
